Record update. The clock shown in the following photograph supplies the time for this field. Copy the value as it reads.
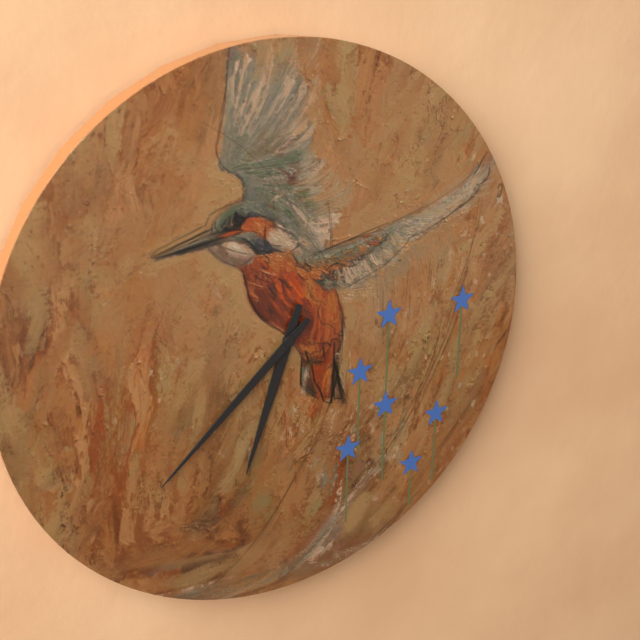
6:38
